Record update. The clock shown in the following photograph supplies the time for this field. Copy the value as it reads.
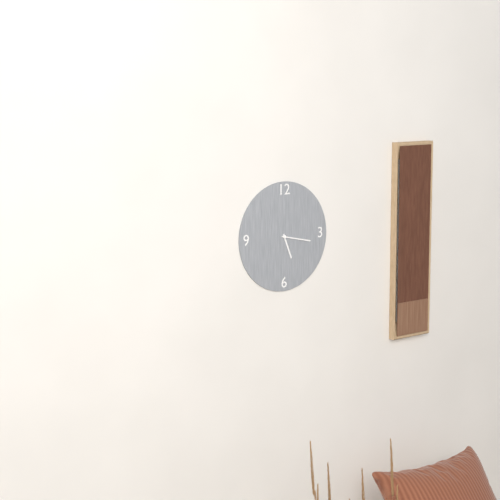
5:17
